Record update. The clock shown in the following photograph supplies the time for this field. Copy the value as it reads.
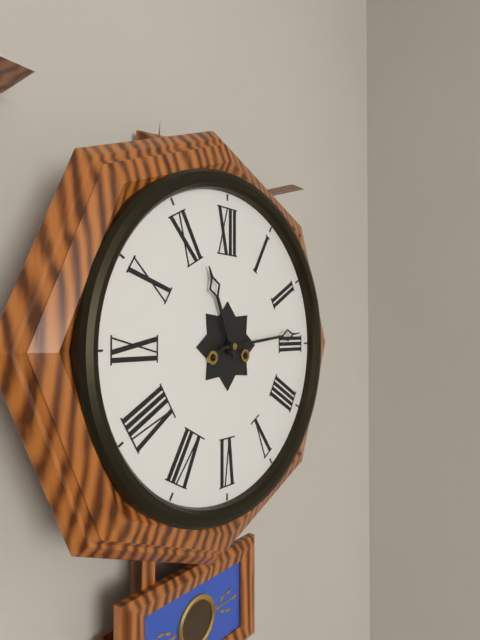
11:14
